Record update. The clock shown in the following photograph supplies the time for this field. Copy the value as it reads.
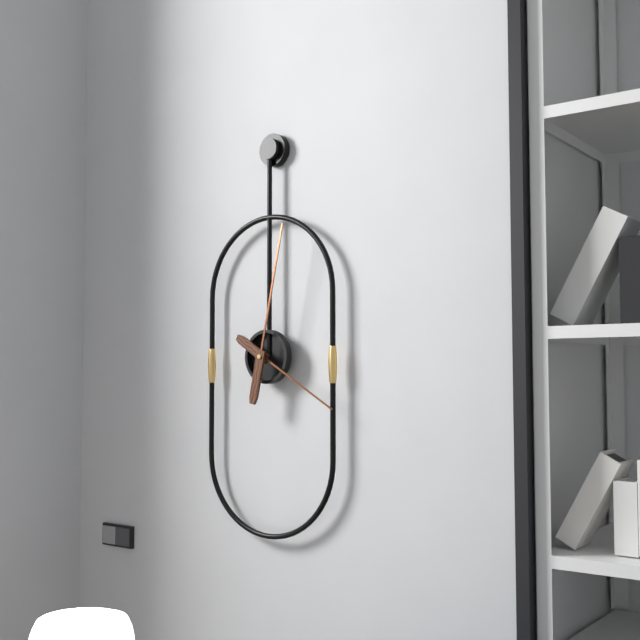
4:02
